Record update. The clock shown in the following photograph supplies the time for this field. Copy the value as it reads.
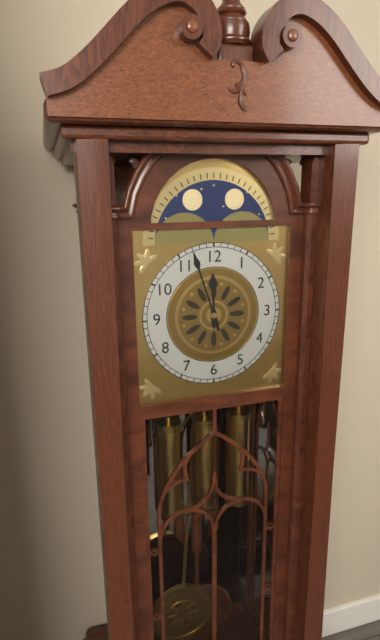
11:57
